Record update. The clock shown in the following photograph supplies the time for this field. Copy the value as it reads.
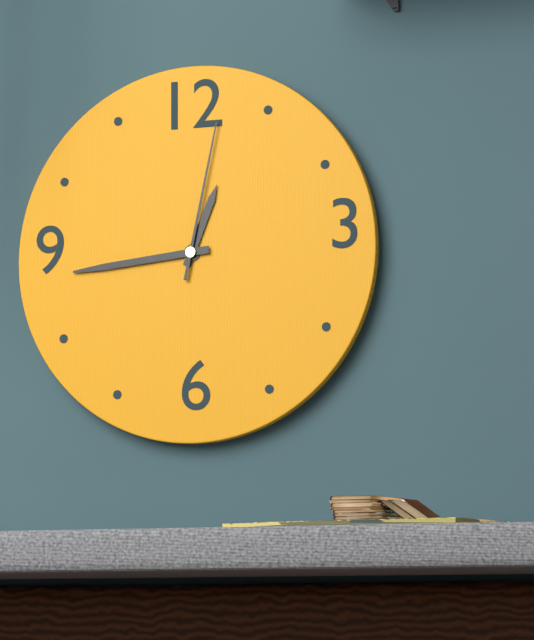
12:44:02
